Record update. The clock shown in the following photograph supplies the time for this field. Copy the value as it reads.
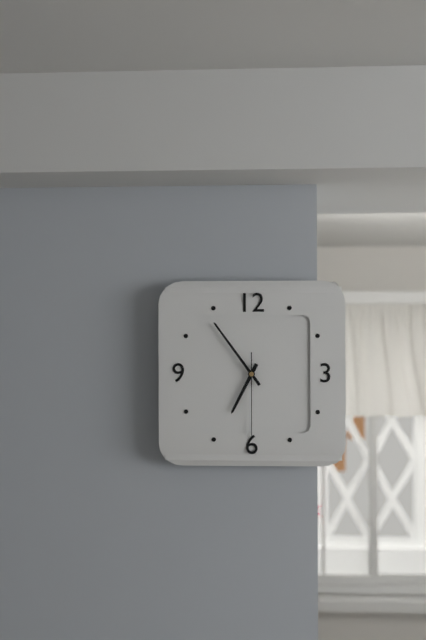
6:54:30
